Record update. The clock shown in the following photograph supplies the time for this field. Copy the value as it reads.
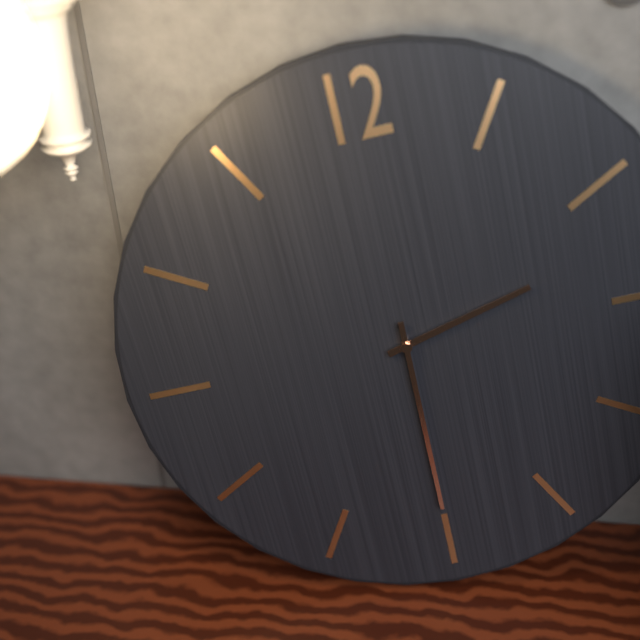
2:30
